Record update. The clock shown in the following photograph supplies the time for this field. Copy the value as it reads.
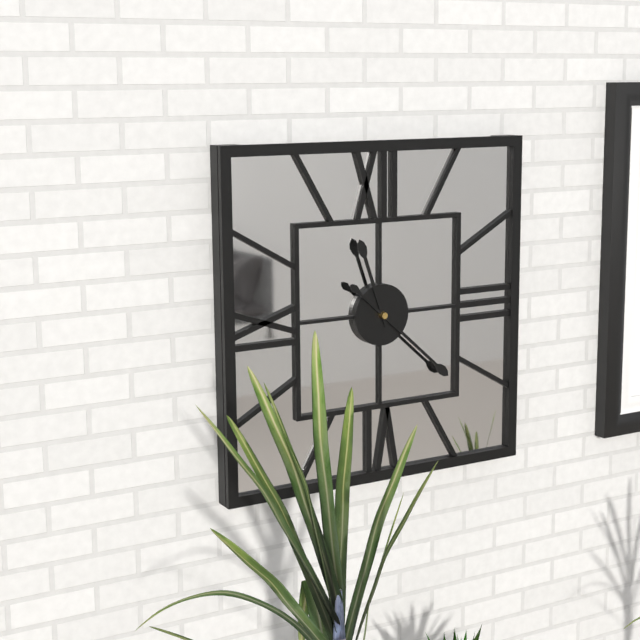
11:22
